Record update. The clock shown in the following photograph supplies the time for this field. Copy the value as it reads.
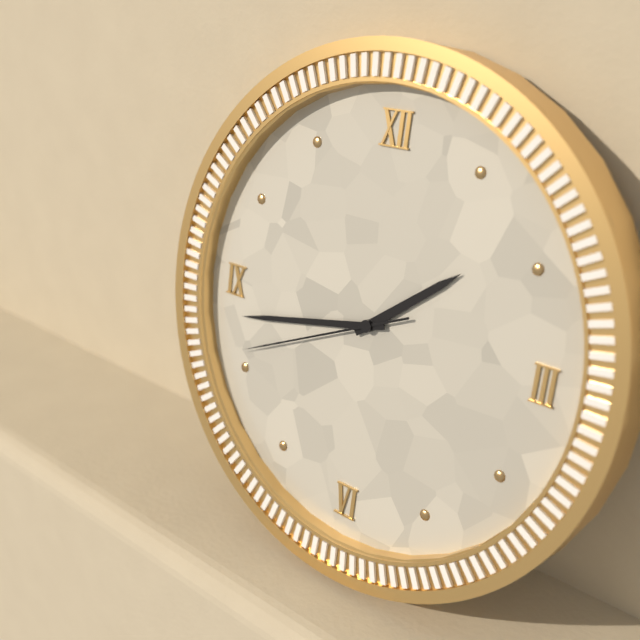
1:43:41
